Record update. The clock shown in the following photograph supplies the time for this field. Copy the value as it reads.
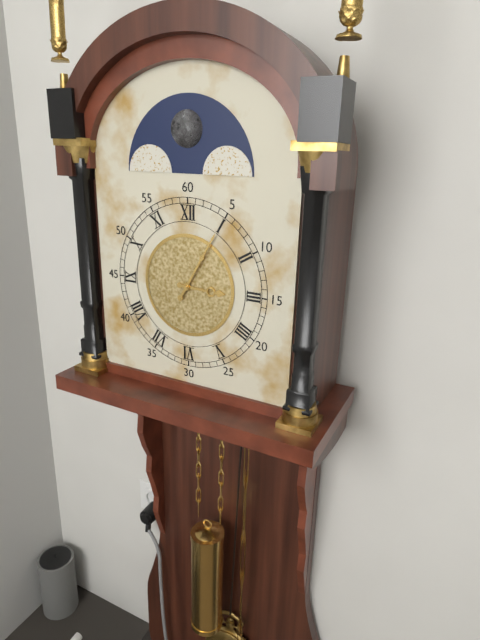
3:05
